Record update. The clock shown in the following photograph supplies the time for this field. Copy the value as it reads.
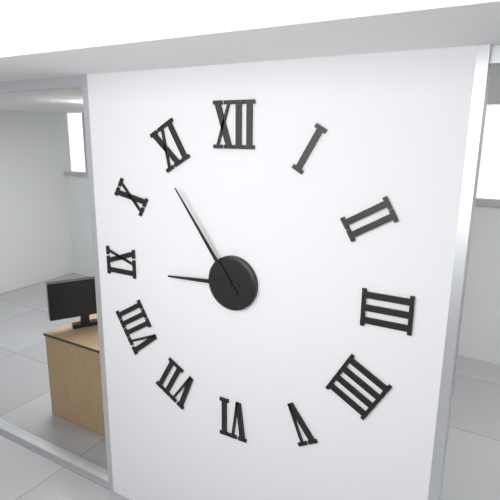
8:54
